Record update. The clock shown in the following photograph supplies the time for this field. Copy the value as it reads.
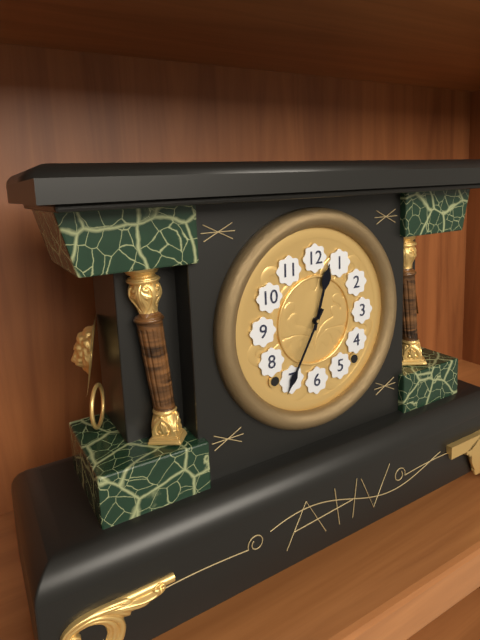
12:35
